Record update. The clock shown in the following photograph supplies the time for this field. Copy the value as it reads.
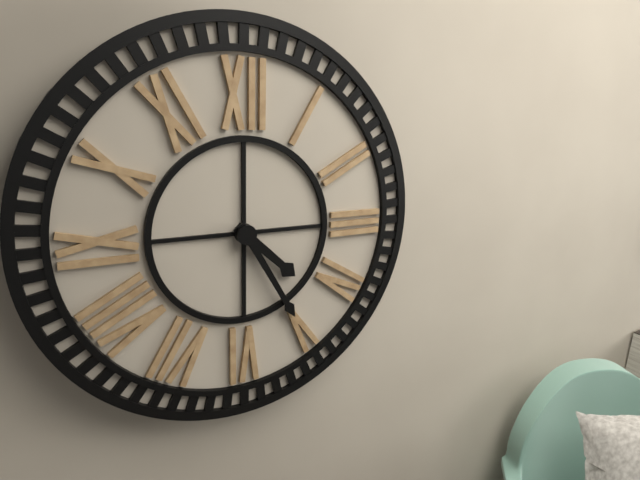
4:25
